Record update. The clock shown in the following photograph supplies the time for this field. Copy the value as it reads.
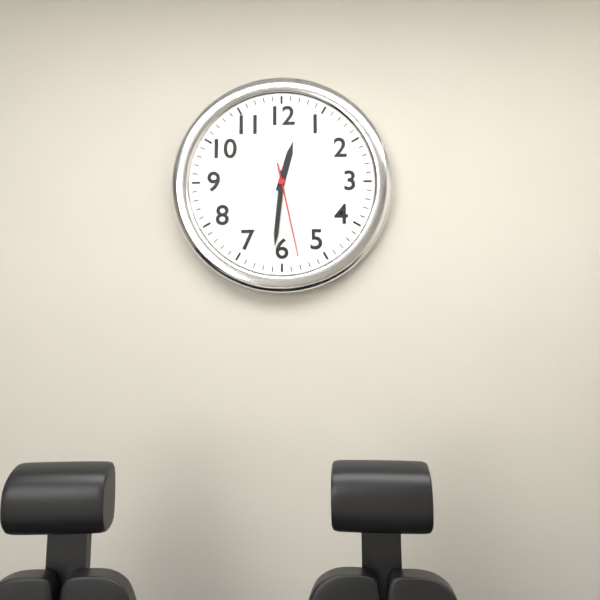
12:31:28
